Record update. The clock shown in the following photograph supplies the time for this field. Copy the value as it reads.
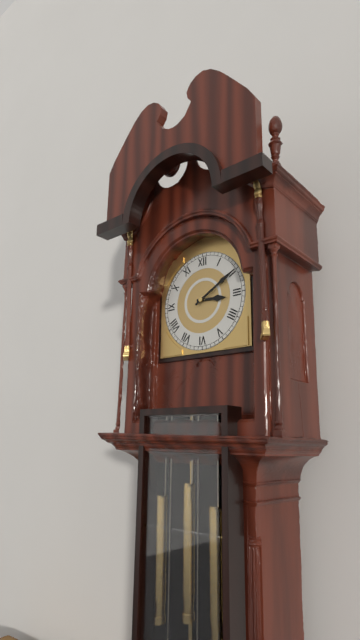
3:10
